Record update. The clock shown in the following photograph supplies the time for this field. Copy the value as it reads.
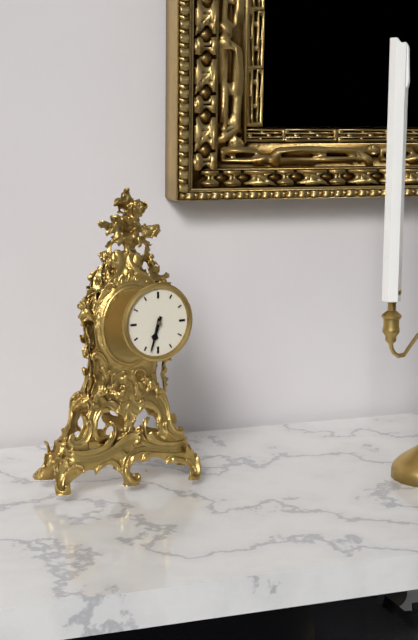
6:33
